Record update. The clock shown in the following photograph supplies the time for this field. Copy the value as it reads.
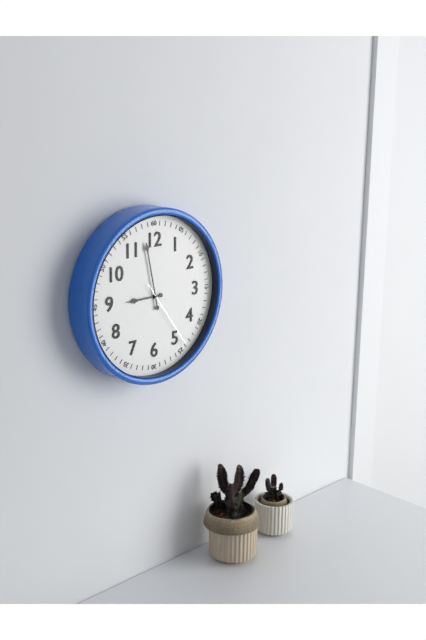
8:58:24
